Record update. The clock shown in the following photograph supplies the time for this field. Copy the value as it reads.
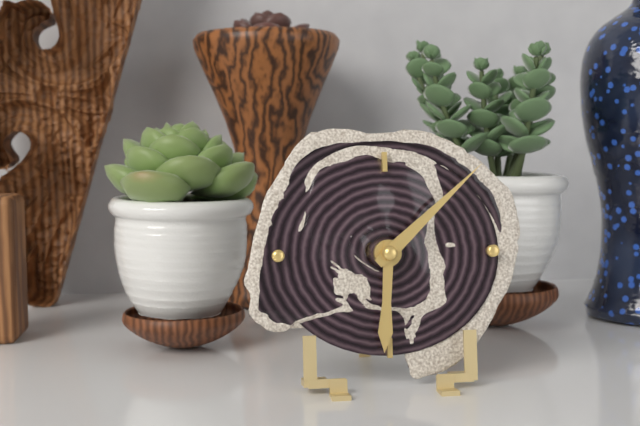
6:08
